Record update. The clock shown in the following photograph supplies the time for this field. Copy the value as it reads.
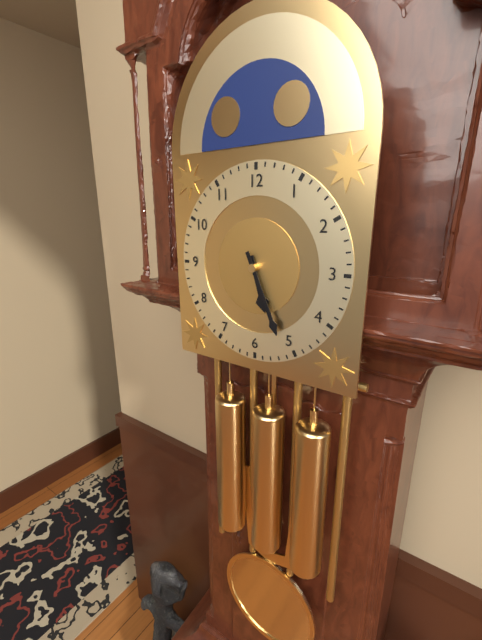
5:26
